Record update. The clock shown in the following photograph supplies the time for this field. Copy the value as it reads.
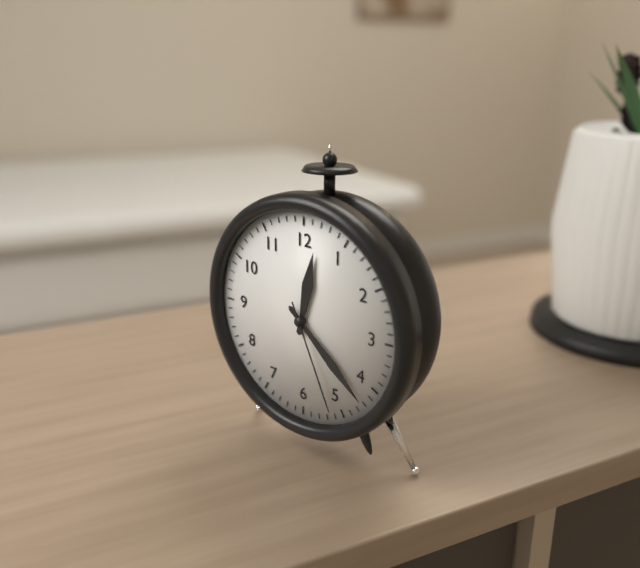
12:22:26
